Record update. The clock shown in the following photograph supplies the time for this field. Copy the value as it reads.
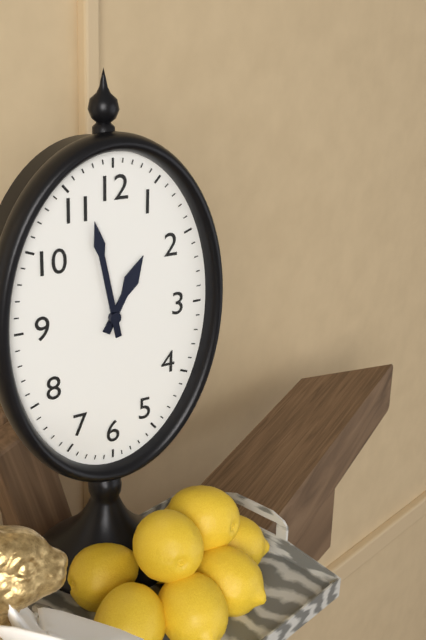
12:58
